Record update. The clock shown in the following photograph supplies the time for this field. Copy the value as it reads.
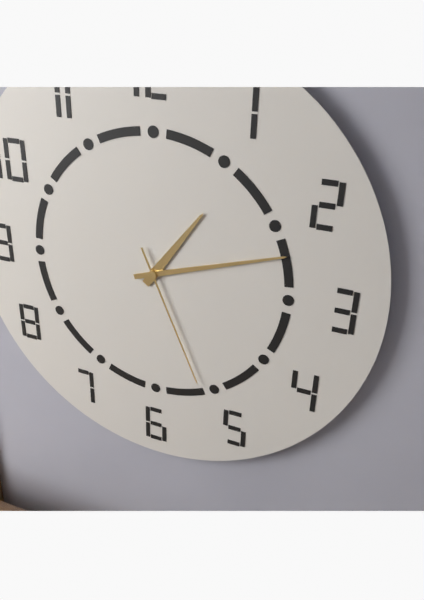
1:12:26
